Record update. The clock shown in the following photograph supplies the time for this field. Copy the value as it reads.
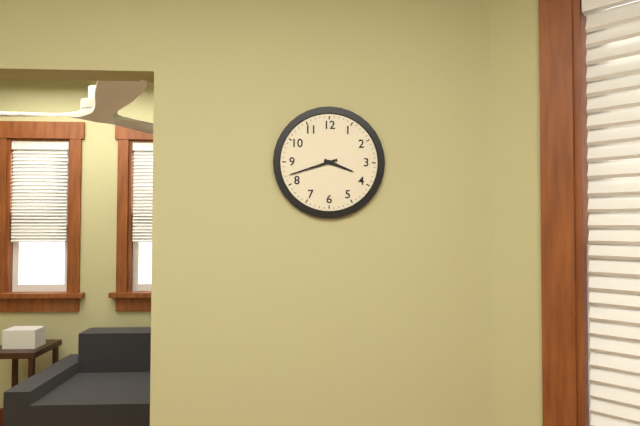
3:42
